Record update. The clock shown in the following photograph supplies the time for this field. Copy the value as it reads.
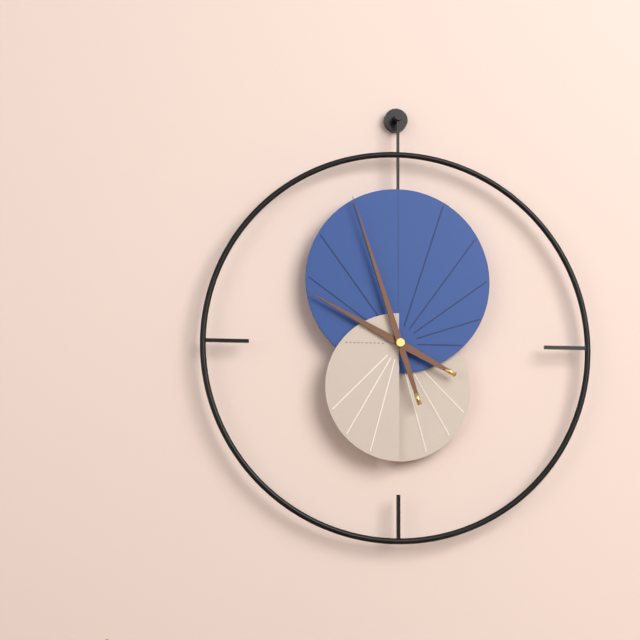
9:57
